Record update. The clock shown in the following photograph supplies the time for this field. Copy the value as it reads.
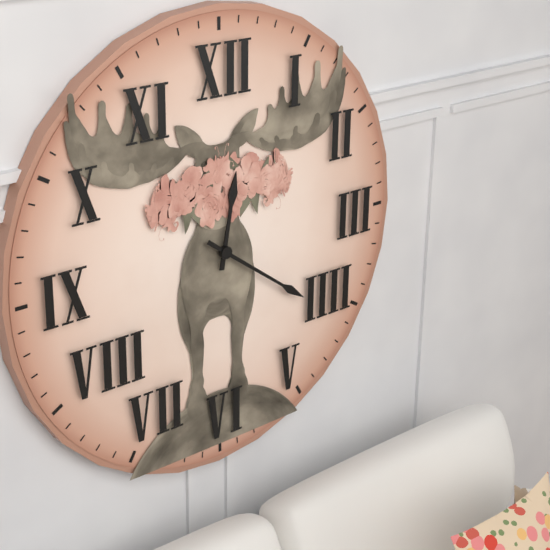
12:21
